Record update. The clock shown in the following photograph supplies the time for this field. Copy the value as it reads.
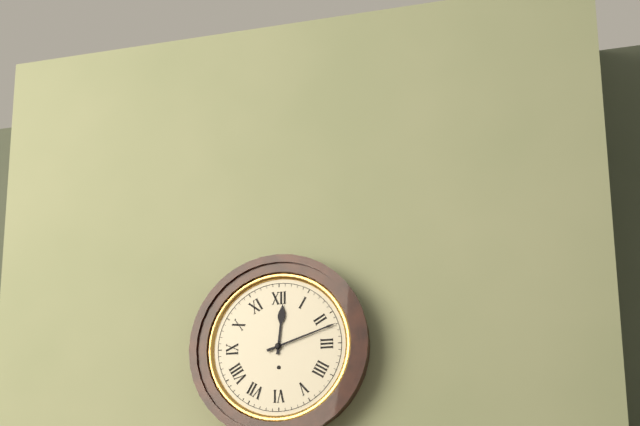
12:12
